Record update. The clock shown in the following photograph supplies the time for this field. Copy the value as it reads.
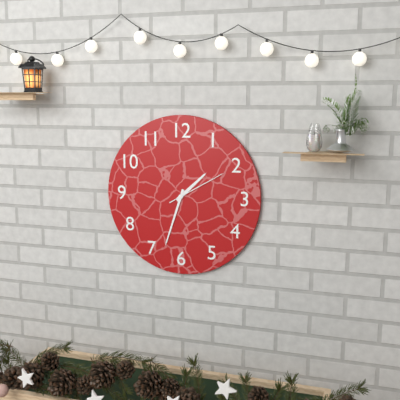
1:33:10
